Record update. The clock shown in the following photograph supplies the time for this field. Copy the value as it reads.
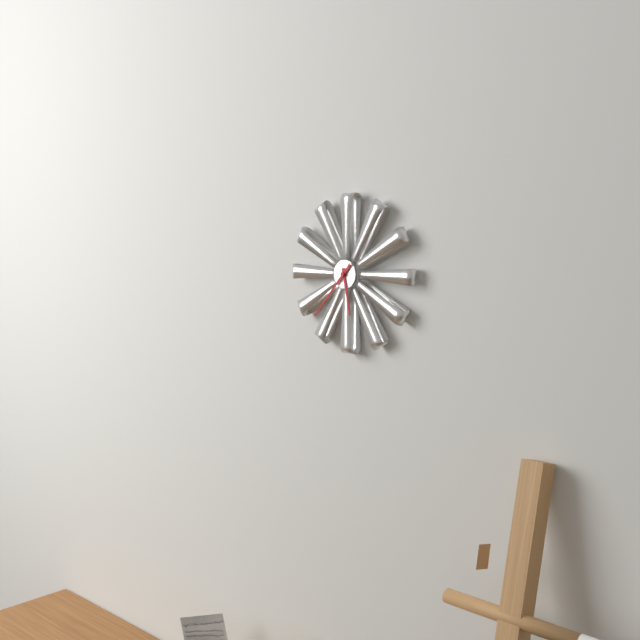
5:37
